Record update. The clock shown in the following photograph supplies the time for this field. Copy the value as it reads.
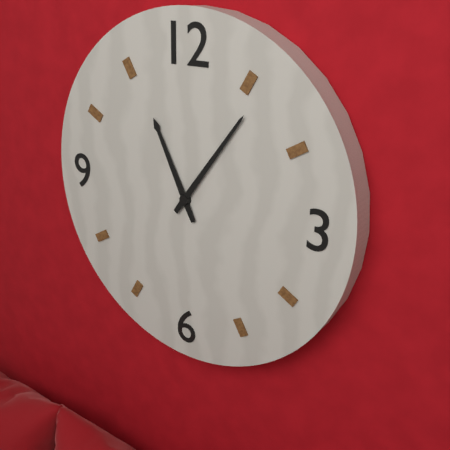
11:06
